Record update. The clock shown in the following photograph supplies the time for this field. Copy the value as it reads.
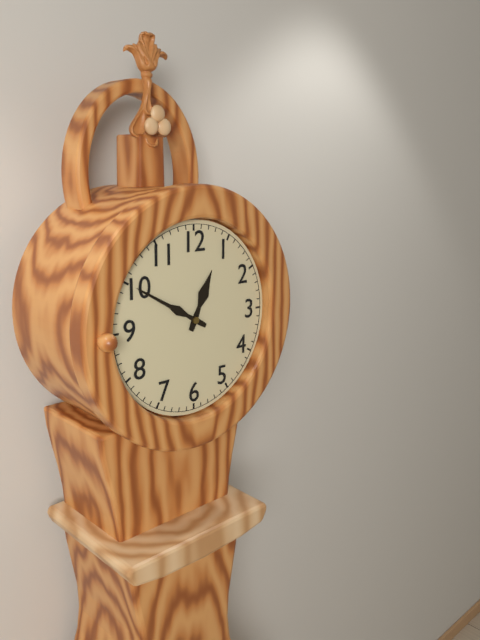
12:50
